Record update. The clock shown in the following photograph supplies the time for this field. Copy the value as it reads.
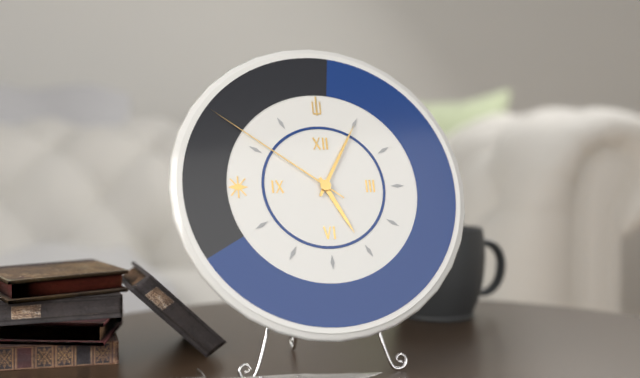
5:05:51
